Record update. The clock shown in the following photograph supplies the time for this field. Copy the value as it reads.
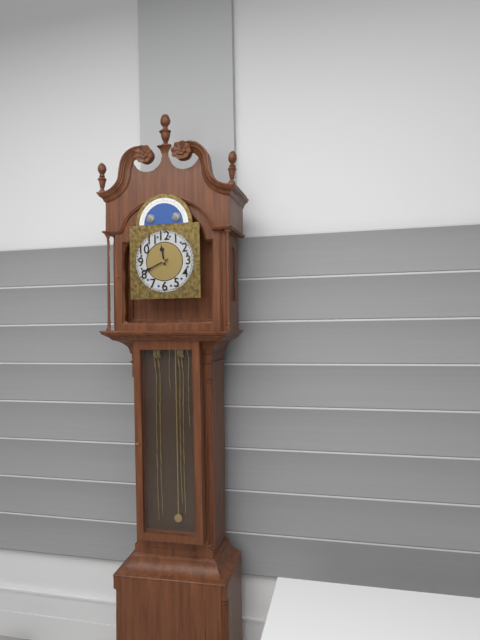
11:41
